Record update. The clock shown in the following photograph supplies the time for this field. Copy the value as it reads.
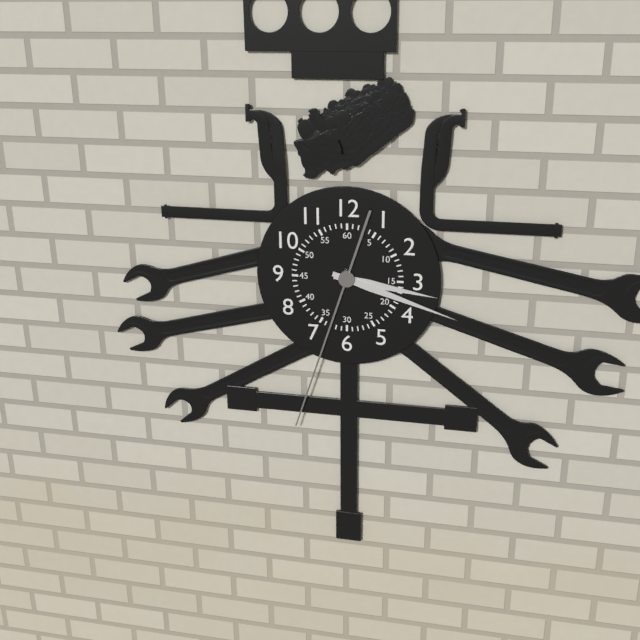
3:18:33
